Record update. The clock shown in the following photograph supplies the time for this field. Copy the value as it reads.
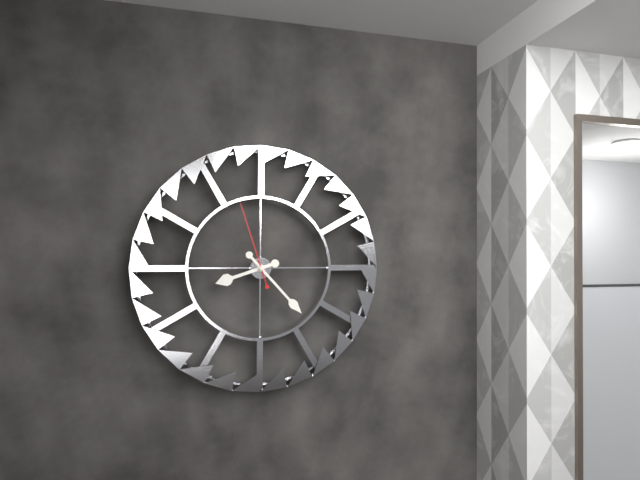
8:23:57
